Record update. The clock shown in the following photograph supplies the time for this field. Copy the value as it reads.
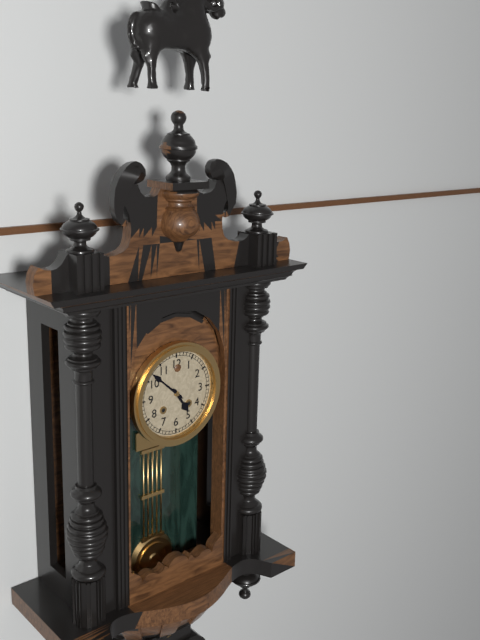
4:52
